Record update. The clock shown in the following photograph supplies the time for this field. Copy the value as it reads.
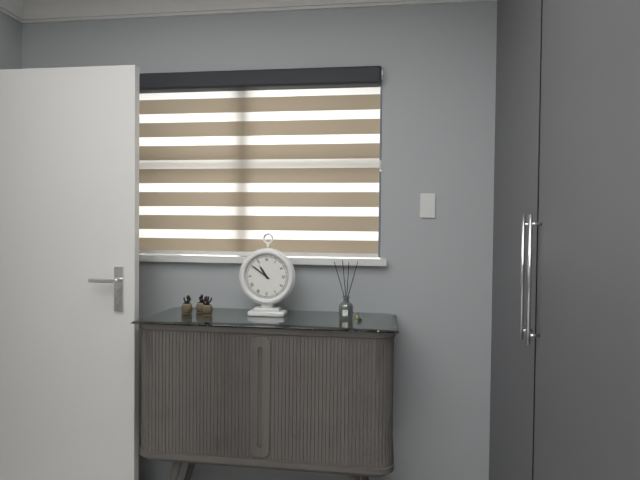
10:51
